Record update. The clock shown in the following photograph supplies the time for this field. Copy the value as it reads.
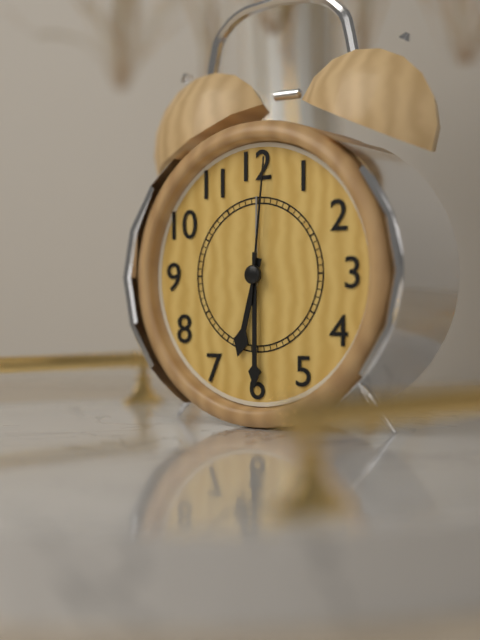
6:30:01
